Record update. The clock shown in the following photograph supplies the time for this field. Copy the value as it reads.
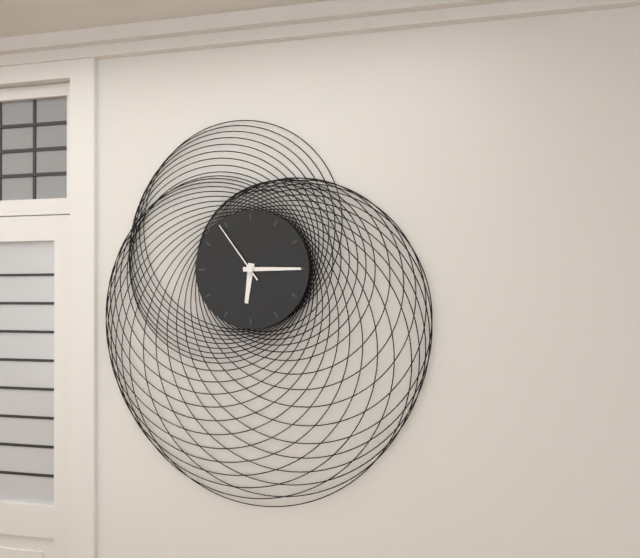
6:15:54
